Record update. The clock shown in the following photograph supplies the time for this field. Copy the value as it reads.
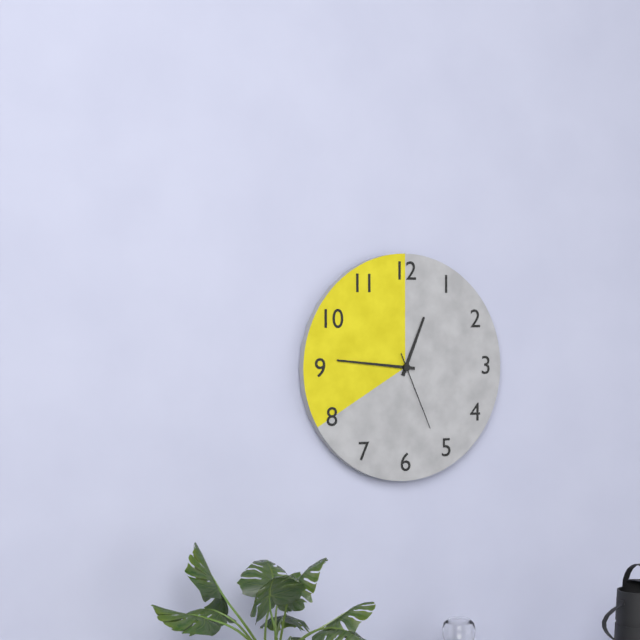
12:46:26
